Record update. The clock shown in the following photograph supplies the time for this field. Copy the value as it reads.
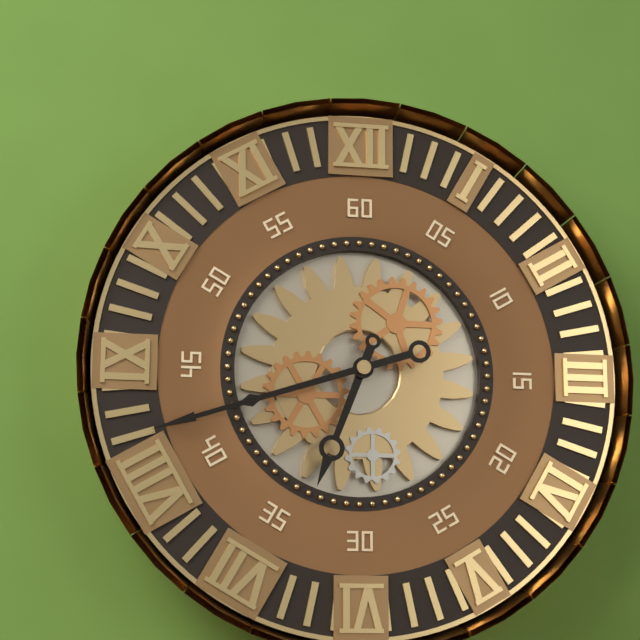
6:42
